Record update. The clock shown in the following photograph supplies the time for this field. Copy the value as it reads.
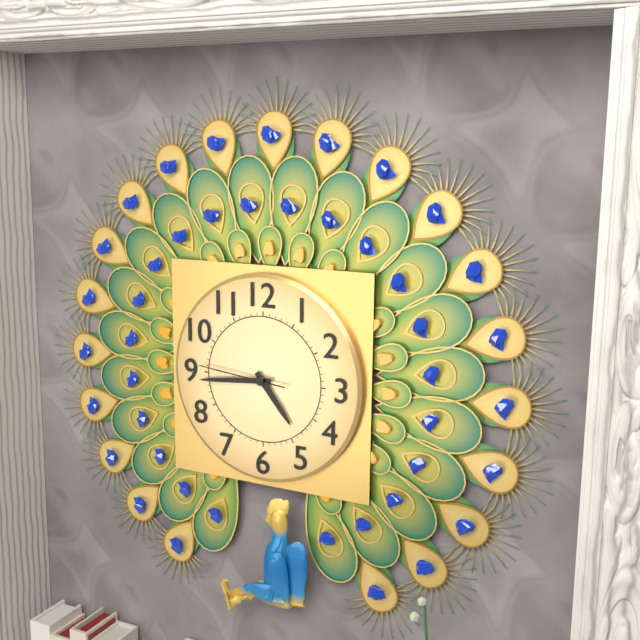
4:44:46
